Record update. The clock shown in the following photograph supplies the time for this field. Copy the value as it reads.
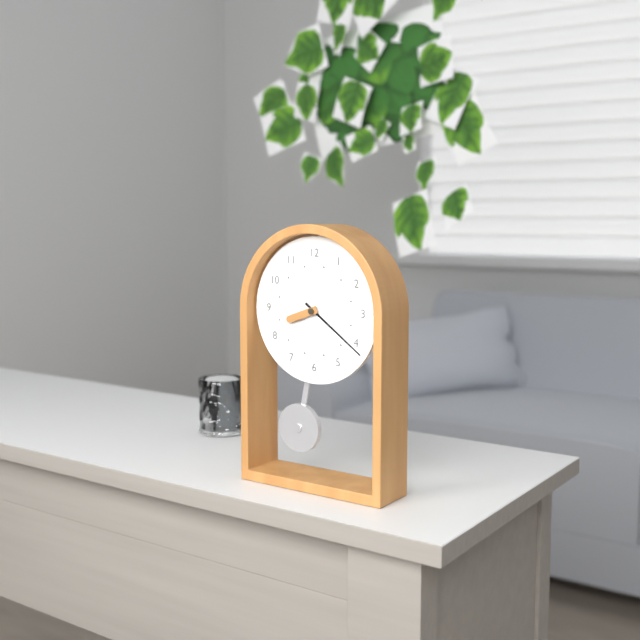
8:21
